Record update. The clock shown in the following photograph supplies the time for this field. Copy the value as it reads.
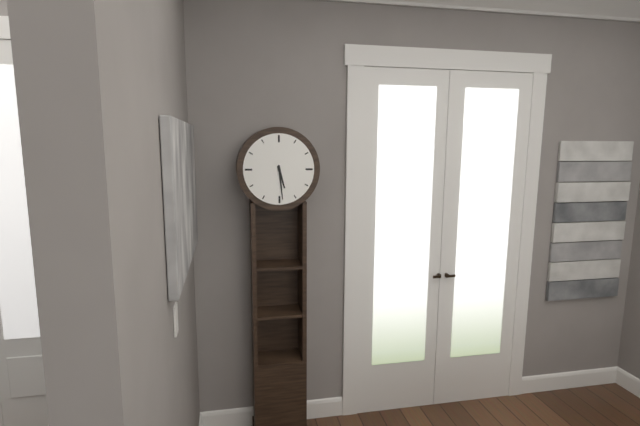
5:29
